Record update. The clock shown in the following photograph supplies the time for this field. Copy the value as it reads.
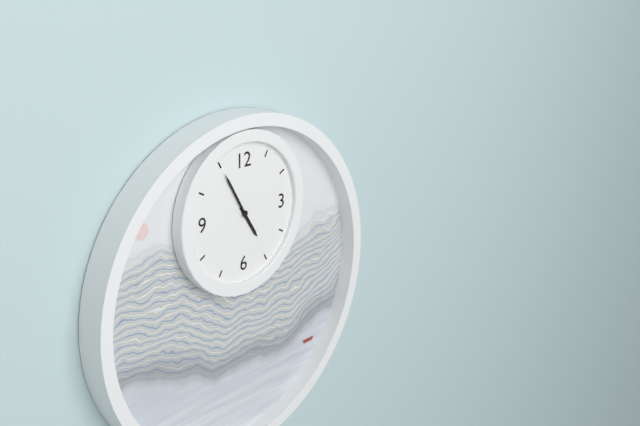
4:55
